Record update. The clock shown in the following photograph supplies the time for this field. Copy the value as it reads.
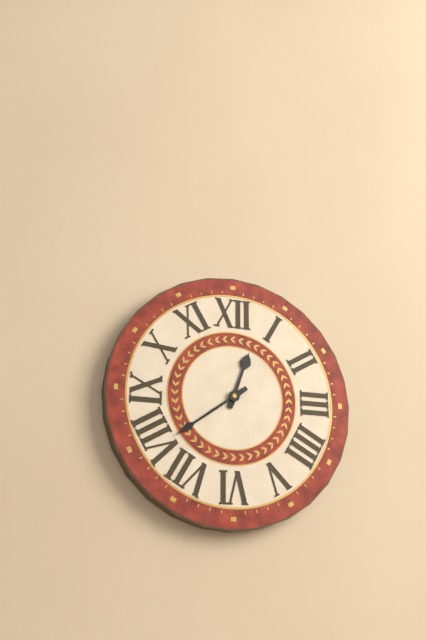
12:39
